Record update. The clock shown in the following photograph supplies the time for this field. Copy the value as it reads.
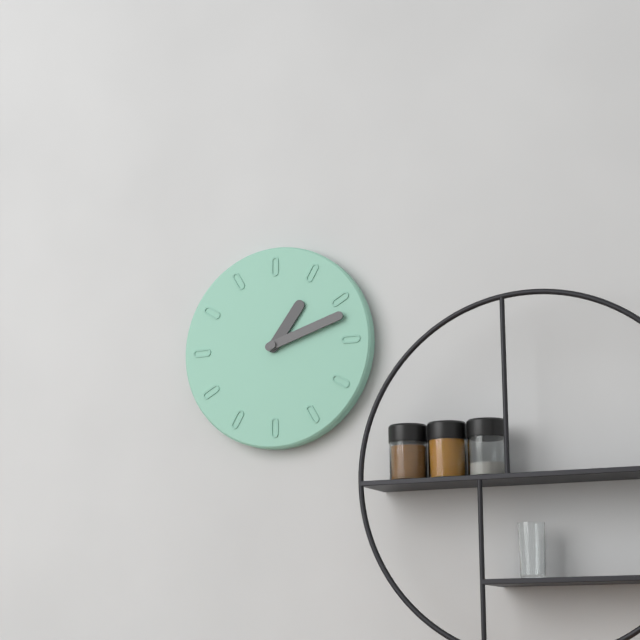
1:12
